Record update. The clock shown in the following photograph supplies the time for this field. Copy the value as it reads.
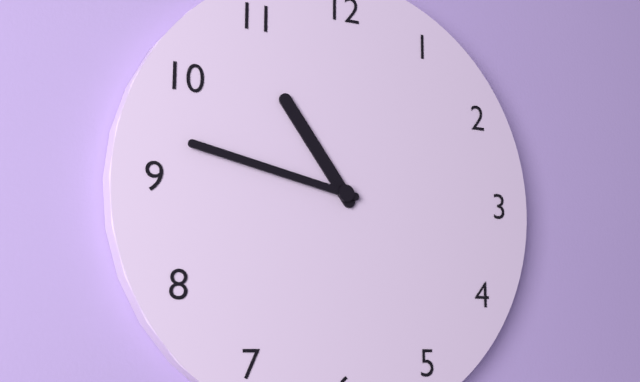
10:47
